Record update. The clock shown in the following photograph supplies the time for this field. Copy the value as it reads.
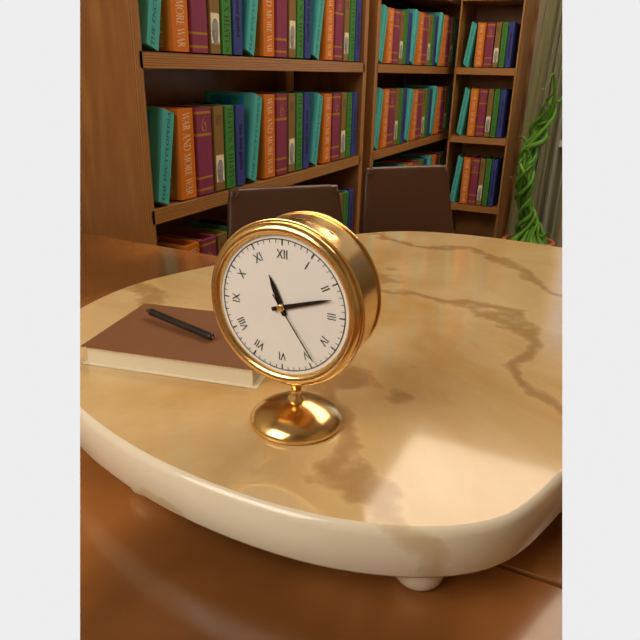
11:12:24
